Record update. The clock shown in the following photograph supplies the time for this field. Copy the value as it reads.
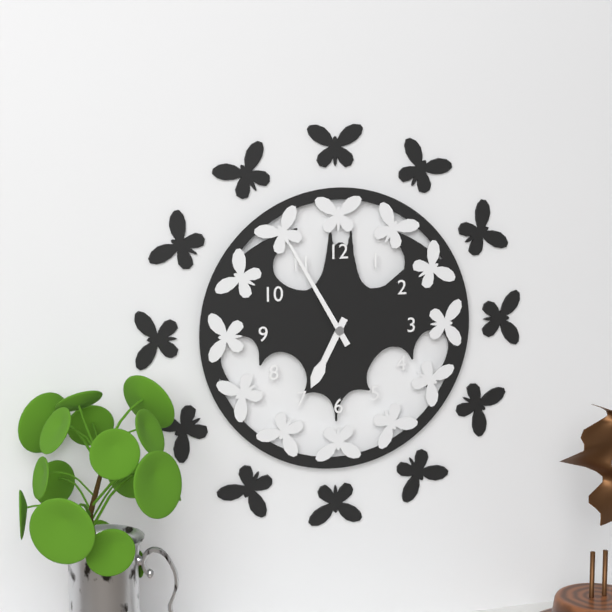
6:55
